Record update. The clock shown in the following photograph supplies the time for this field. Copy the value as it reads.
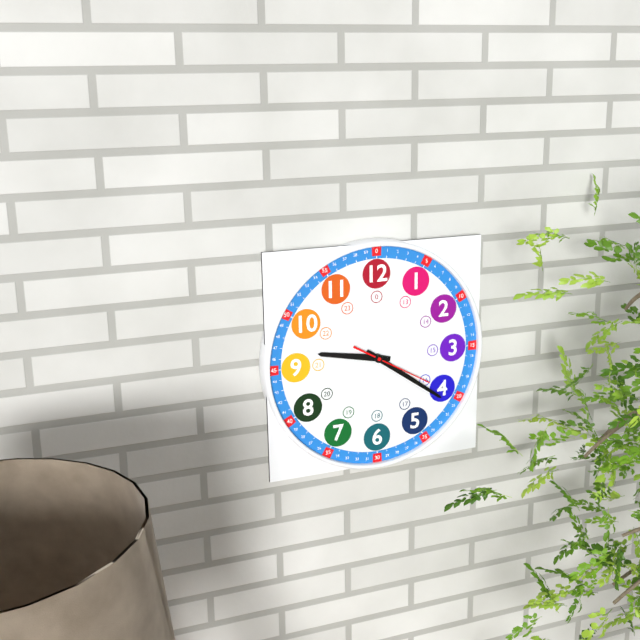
9:21:20
